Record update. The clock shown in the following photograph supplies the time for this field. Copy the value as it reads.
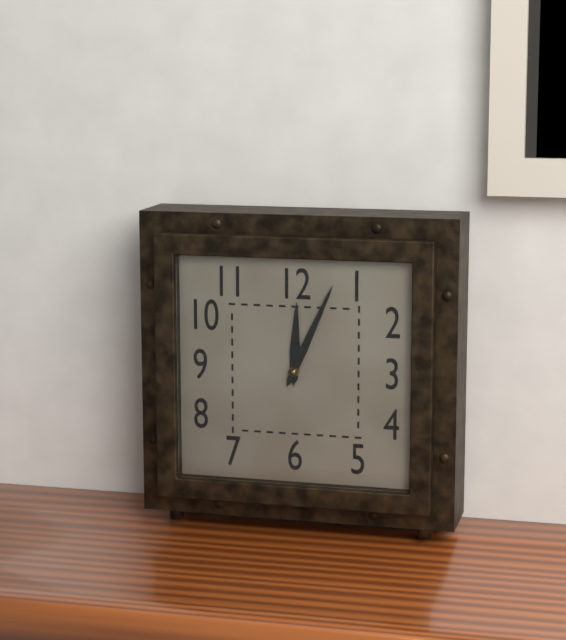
12:04
